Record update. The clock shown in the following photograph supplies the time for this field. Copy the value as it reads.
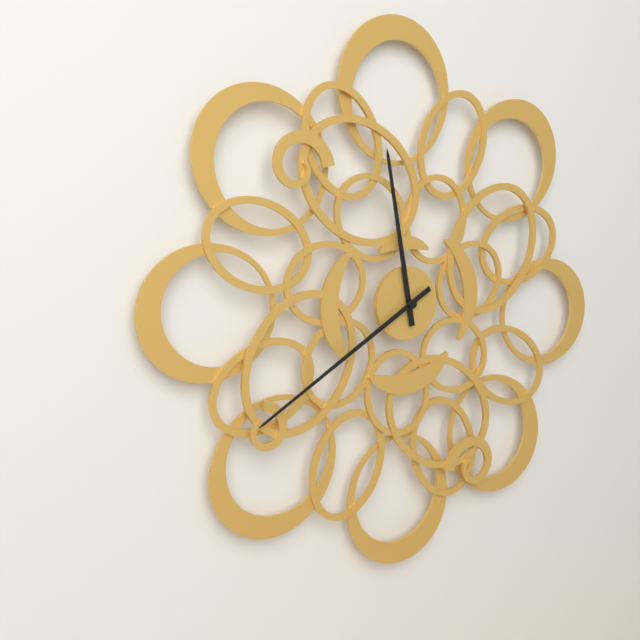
11:40
